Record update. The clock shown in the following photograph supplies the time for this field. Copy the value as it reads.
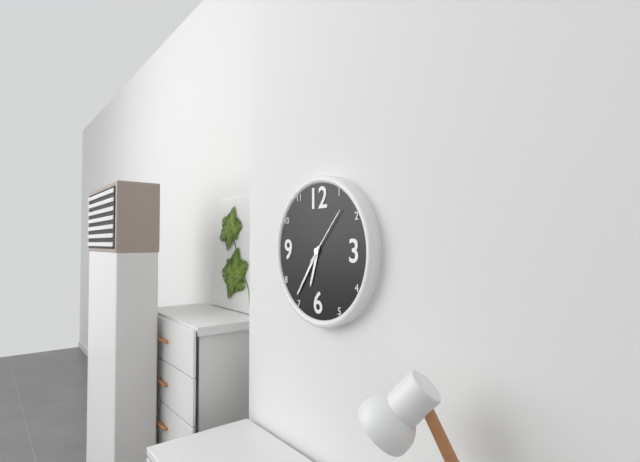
6:36:07
